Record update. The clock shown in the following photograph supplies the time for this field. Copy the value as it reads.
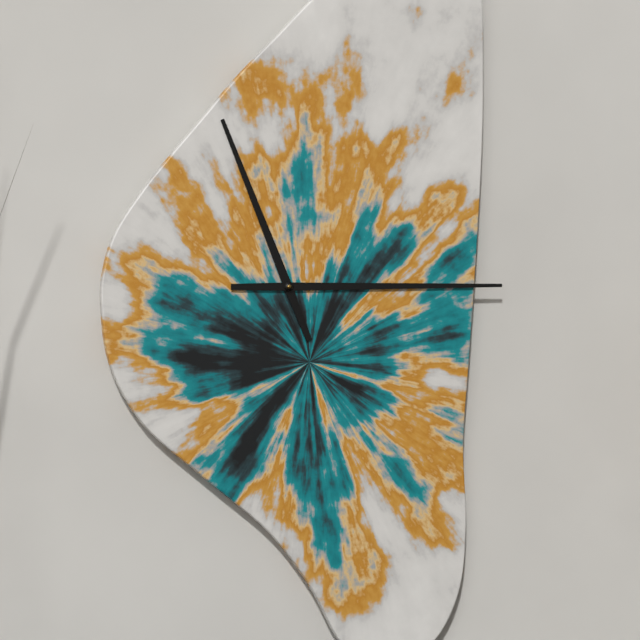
11:15
